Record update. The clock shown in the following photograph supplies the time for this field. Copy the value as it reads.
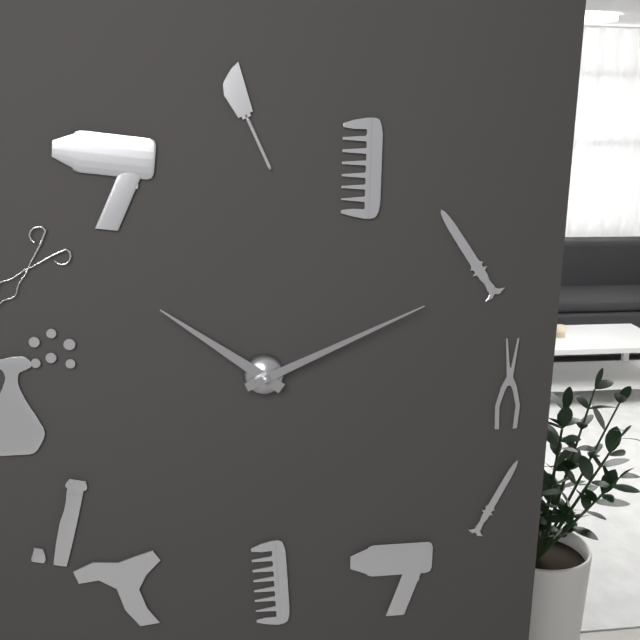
10:11
